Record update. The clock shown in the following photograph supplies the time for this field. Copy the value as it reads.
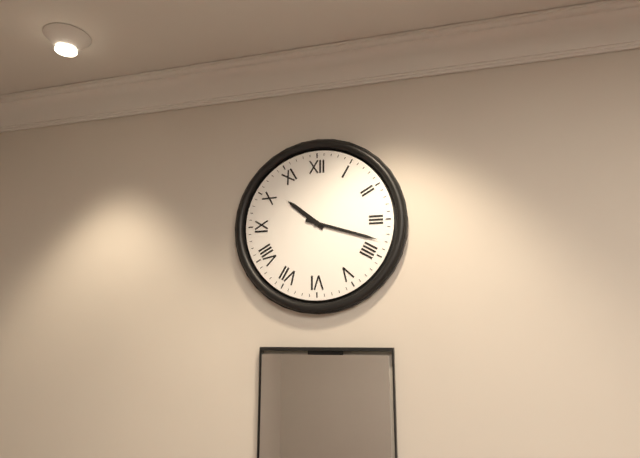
10:18
